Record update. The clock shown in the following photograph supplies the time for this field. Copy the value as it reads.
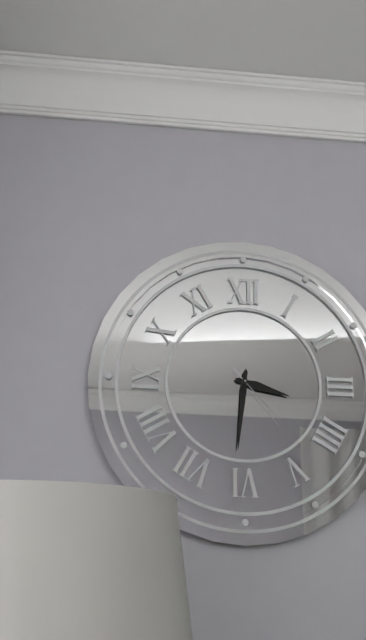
3:31:23
